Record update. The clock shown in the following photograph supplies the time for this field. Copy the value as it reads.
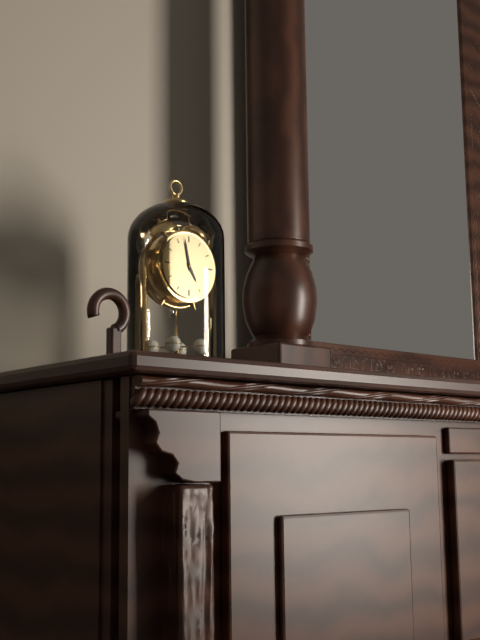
4:58
